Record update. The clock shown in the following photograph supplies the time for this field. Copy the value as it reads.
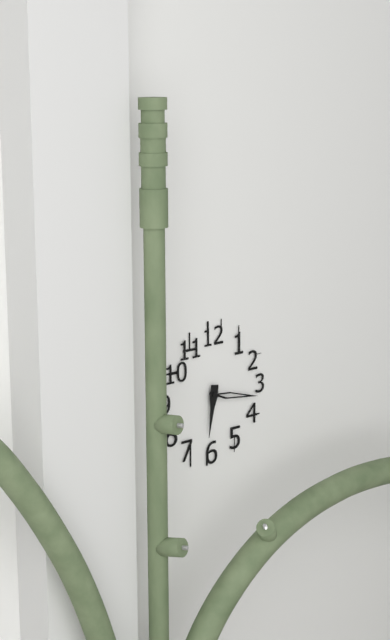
6:17
